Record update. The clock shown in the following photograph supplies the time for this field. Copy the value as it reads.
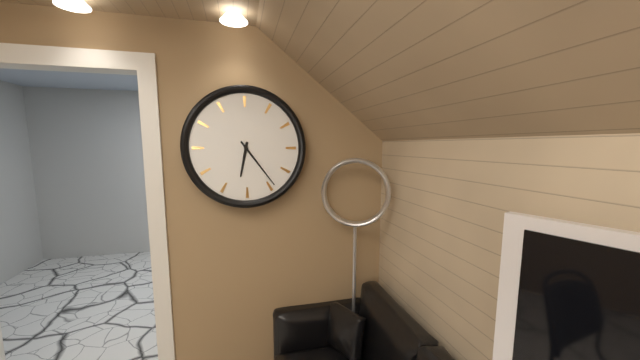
6:24
